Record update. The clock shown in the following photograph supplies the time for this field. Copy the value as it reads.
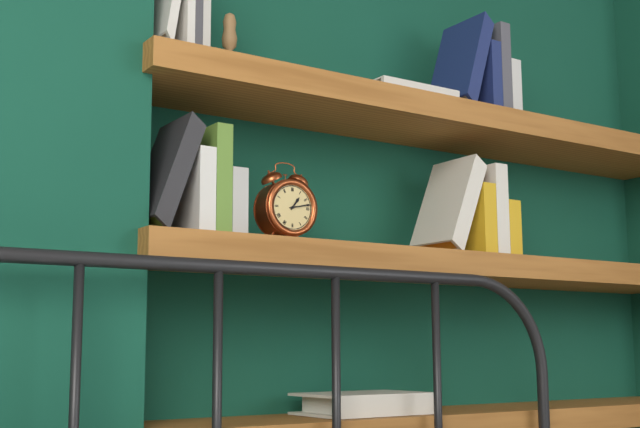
1:13
